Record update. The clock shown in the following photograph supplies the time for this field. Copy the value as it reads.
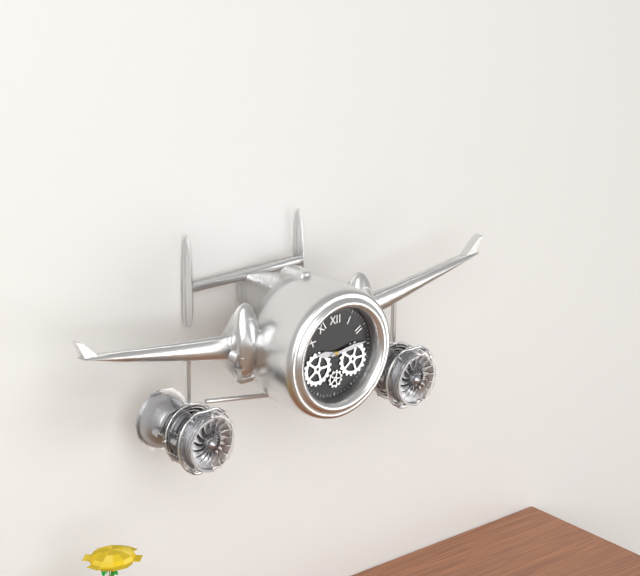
9:14
